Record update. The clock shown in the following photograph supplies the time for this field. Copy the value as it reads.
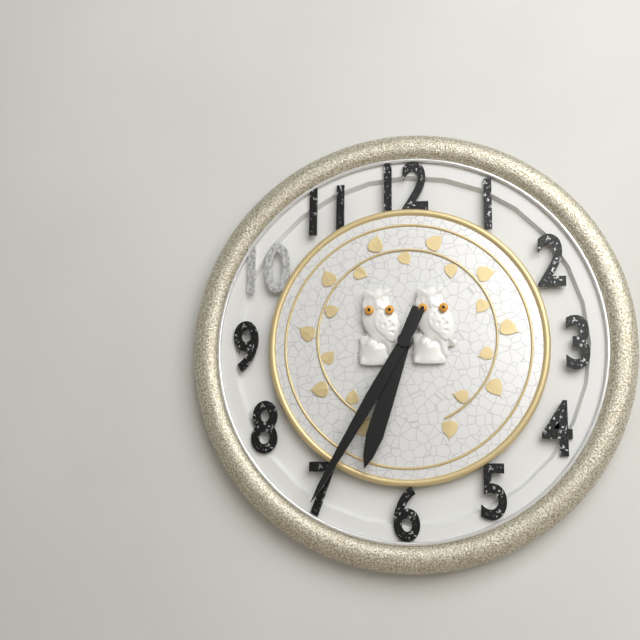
6:35
